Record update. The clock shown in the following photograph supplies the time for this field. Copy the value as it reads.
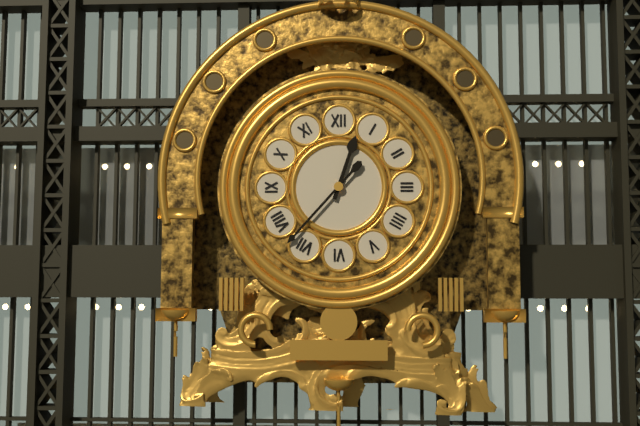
12:37
